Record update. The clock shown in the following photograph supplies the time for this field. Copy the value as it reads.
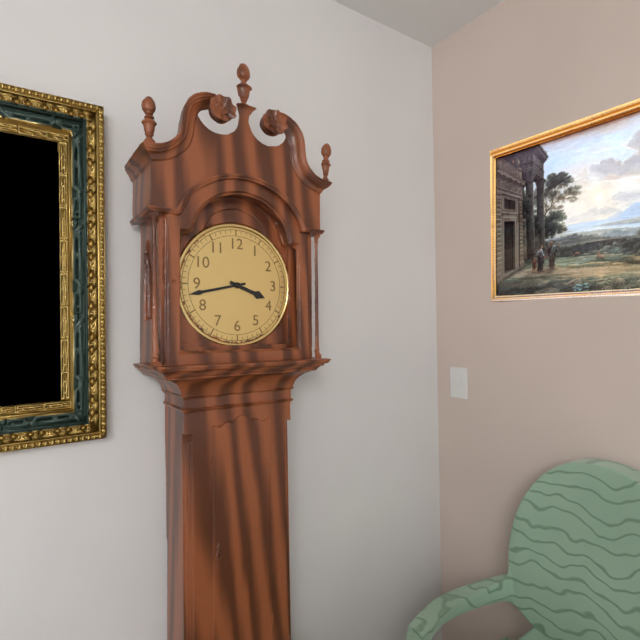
3:43
